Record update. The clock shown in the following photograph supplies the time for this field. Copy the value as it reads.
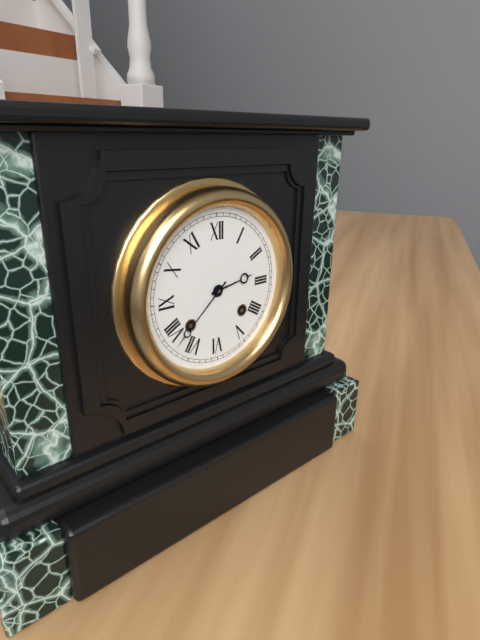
2:38
